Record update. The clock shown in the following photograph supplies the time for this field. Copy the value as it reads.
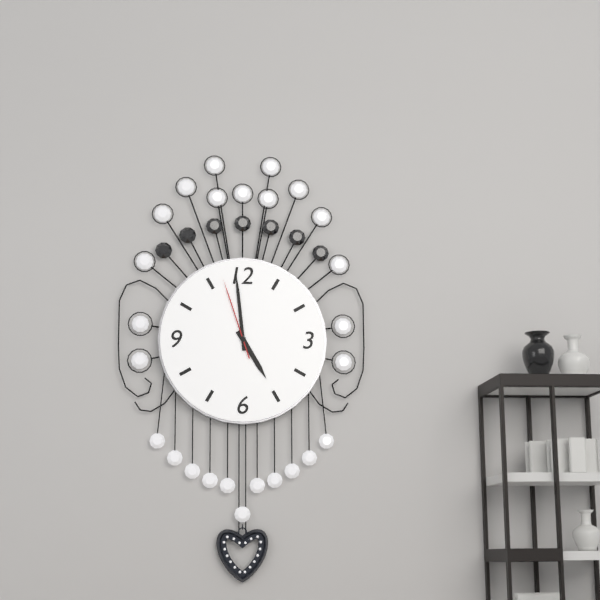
4:59:57
